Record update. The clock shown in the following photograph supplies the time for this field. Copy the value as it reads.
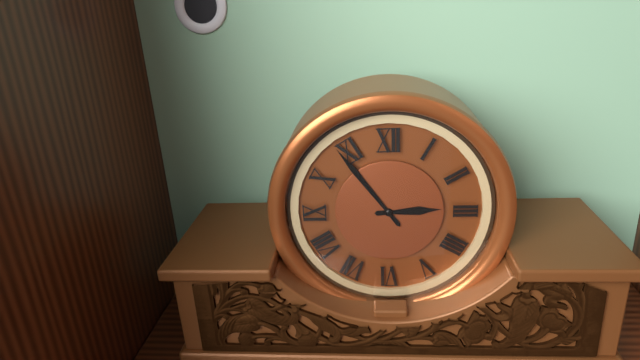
2:54
